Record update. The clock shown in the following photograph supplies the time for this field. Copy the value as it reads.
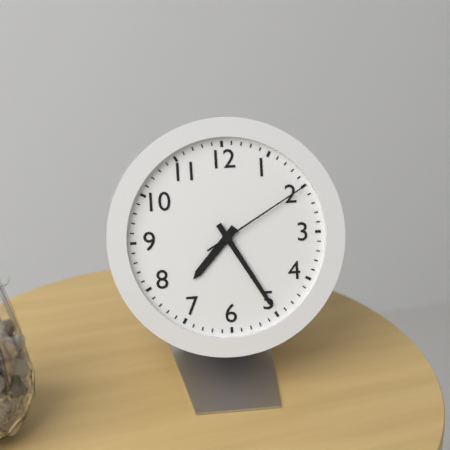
7:25:10
